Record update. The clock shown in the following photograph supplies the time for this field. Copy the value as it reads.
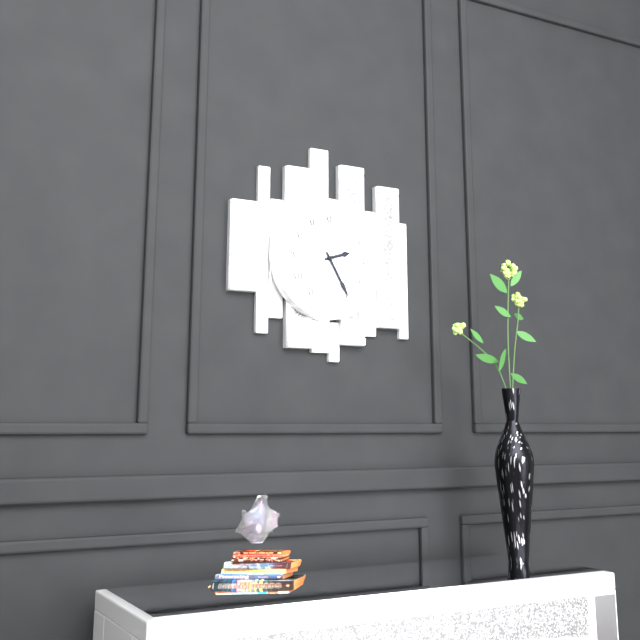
2:25
